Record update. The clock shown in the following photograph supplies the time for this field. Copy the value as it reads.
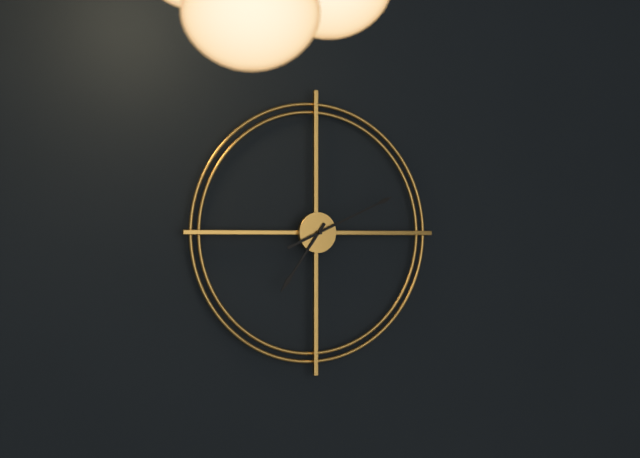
7:11
